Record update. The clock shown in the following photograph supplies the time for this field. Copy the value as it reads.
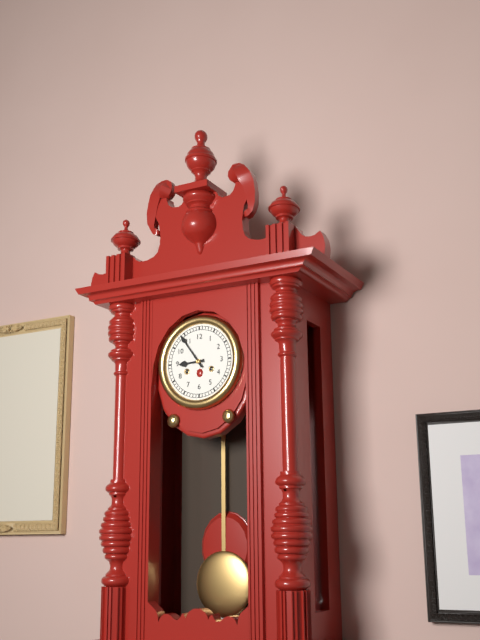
8:54
